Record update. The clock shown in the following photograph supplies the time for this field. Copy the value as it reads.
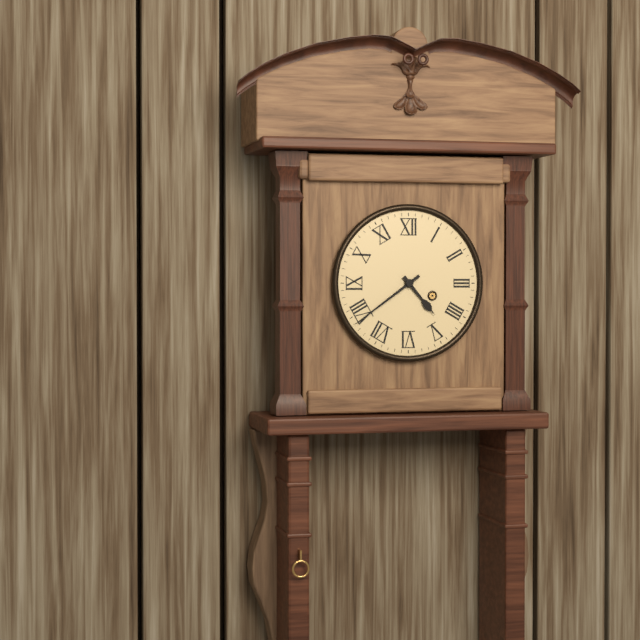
4:39
